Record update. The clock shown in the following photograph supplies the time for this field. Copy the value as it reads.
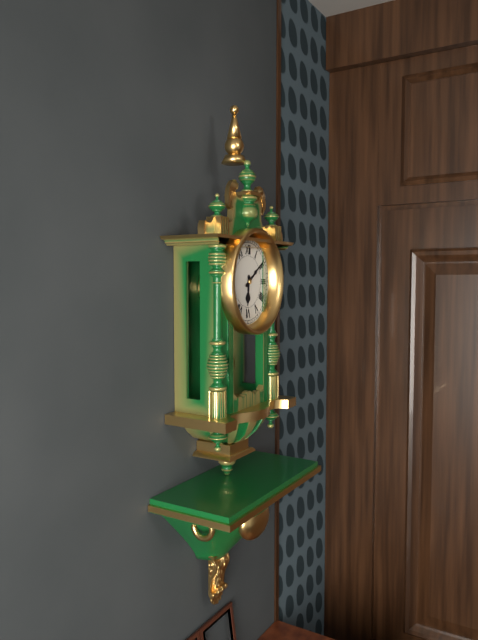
6:09
